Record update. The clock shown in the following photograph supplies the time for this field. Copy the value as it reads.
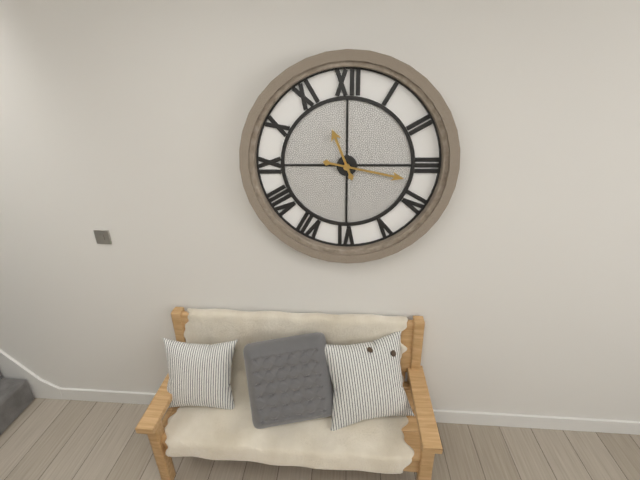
11:17
